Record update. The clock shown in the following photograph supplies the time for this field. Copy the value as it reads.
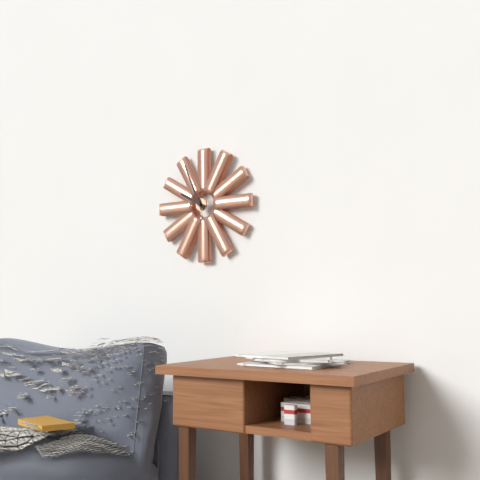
9:56
